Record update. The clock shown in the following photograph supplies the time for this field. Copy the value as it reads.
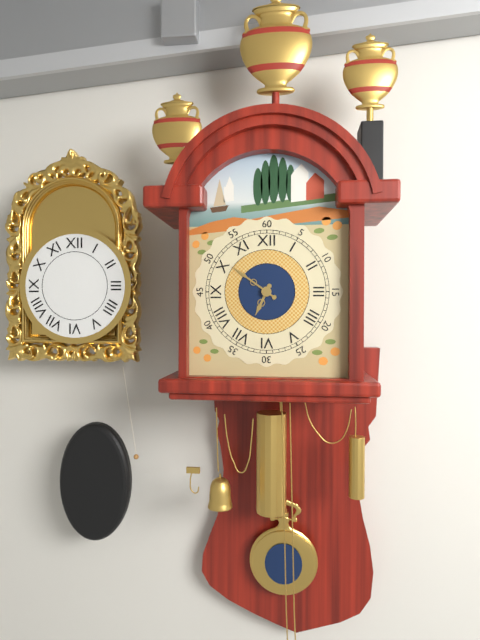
6:51
